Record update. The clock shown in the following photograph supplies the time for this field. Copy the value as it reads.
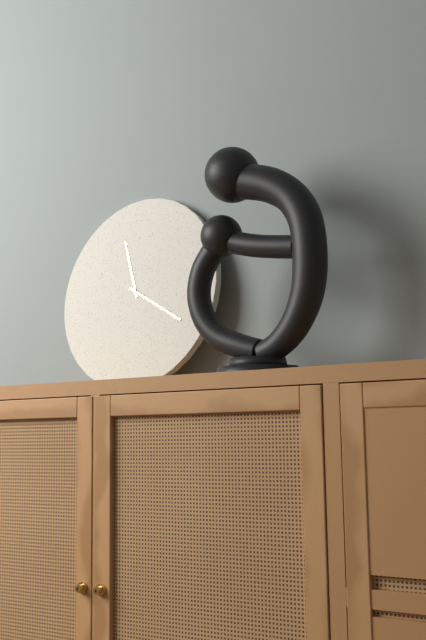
11:20
